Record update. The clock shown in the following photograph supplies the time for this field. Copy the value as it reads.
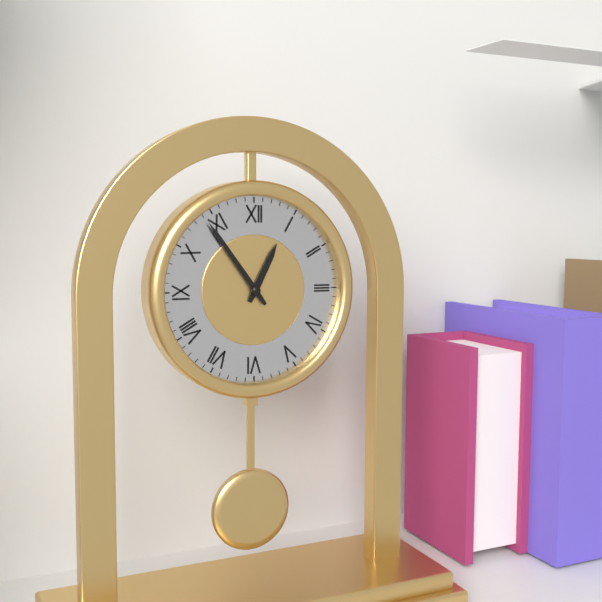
12:54
